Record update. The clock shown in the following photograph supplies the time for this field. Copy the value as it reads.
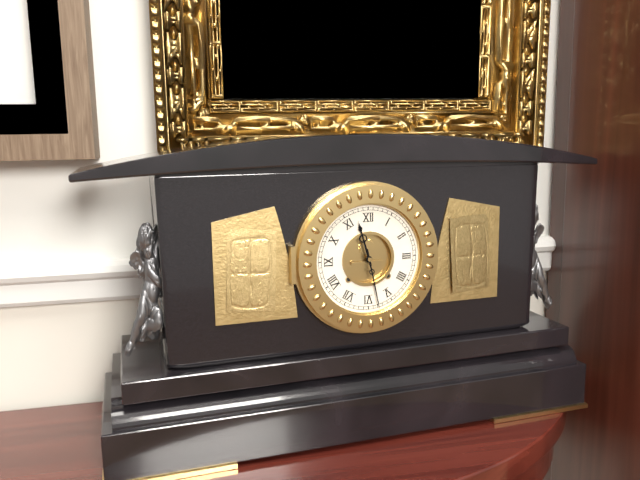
11:28
